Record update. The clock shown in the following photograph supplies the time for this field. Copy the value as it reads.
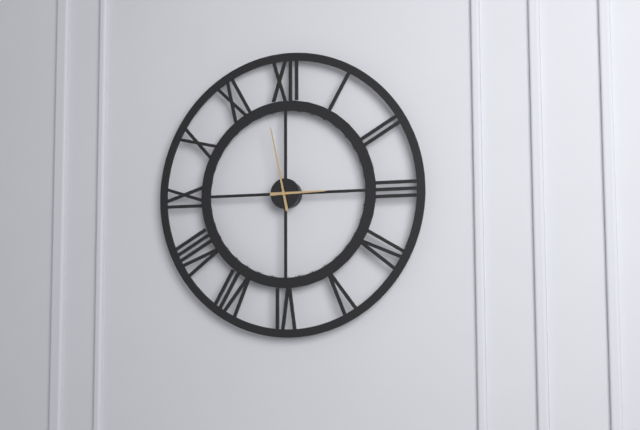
2:58
